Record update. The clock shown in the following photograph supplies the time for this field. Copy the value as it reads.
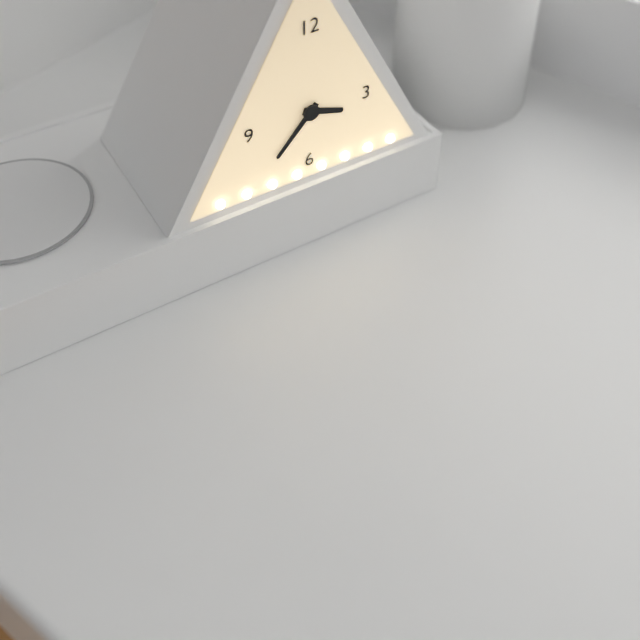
3:37
